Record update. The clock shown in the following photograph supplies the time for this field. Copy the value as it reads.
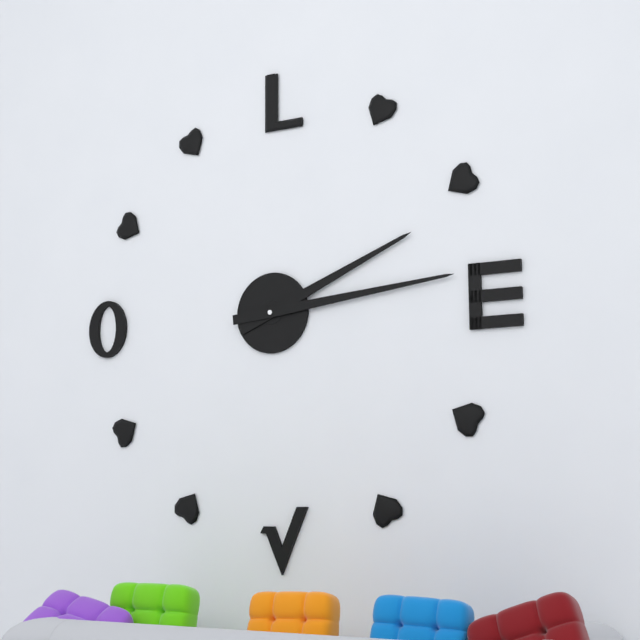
2:14
